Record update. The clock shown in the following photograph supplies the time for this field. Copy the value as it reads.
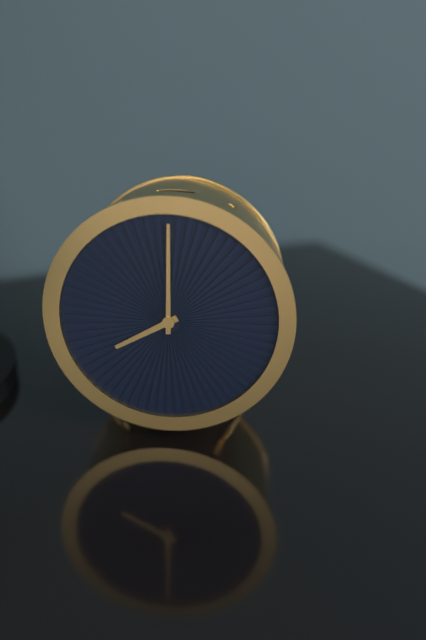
8:00
